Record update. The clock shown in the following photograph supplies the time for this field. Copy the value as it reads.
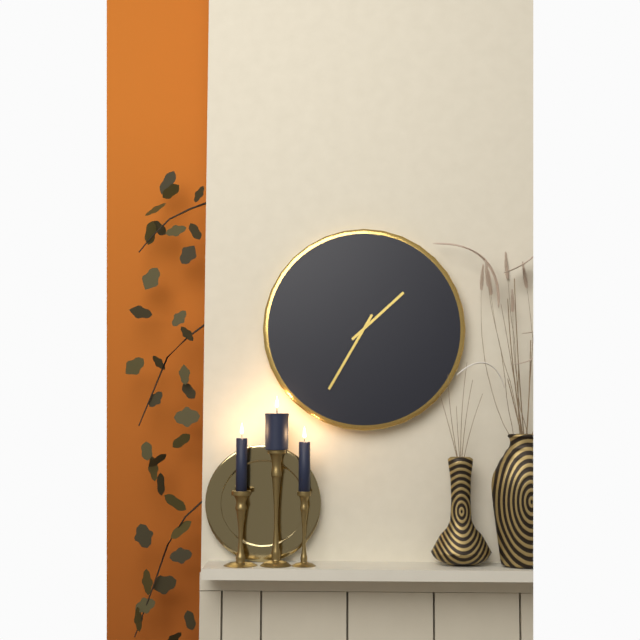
1:35
